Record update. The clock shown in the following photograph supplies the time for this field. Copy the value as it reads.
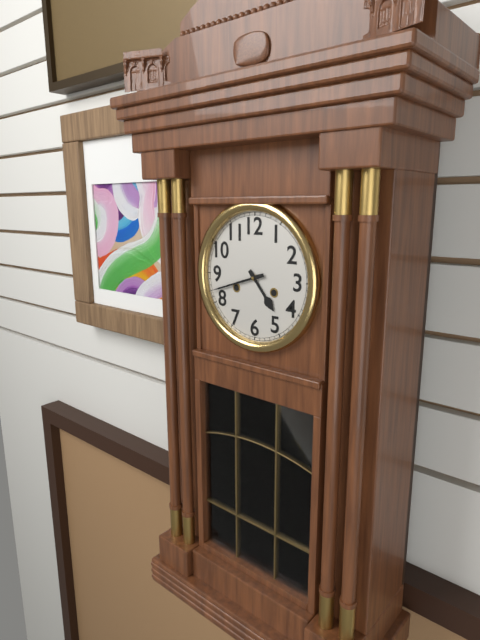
4:42
